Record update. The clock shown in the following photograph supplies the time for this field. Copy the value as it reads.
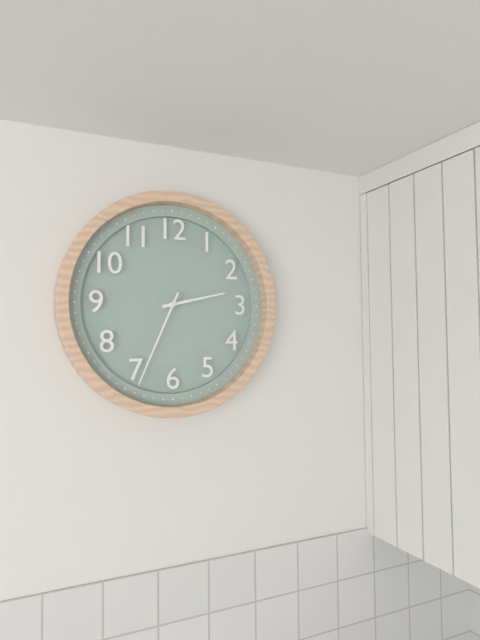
2:34
